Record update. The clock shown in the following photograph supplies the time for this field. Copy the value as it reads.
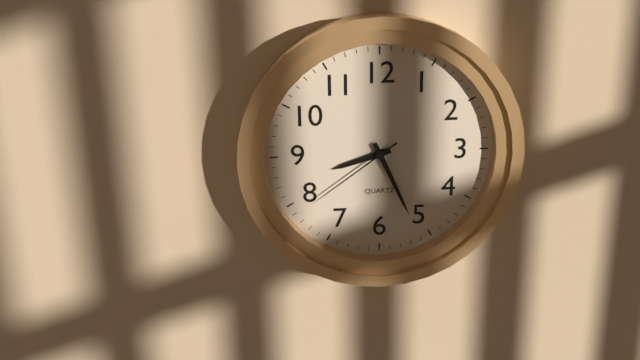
8:26:39
